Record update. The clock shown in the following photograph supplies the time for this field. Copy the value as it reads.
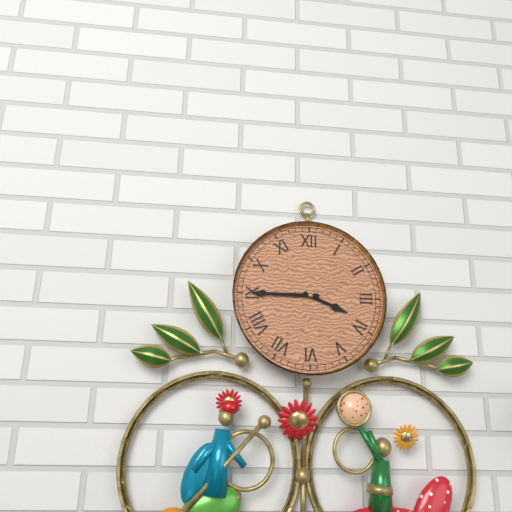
3:45
